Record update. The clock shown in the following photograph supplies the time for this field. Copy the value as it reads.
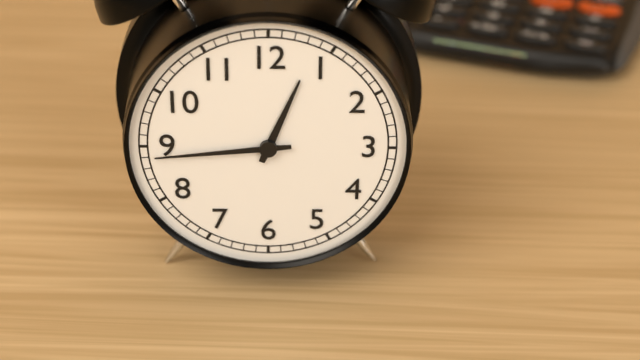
12:44
